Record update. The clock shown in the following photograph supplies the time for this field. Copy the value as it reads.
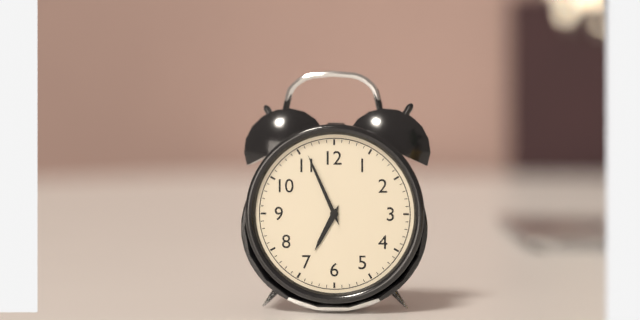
6:56
